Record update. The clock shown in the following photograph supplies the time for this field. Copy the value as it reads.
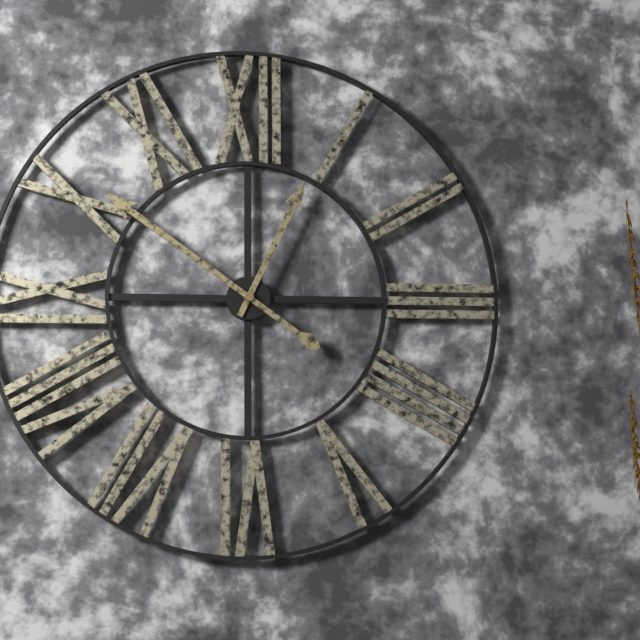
12:51
